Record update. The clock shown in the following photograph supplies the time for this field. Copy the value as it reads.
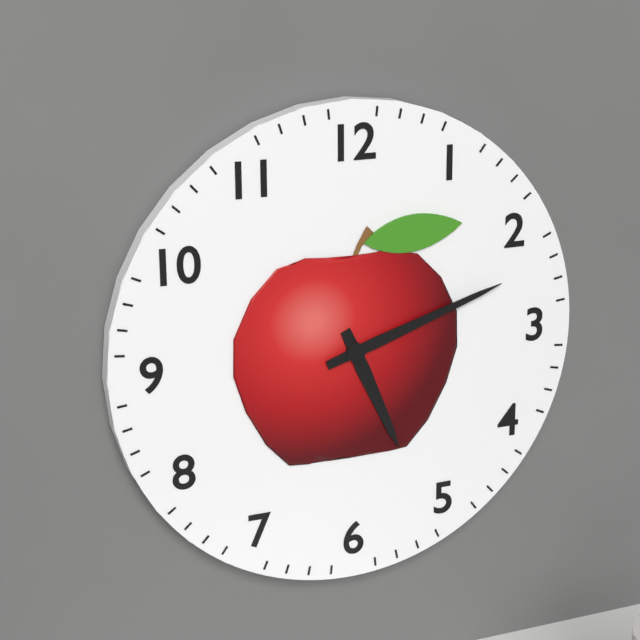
5:12
